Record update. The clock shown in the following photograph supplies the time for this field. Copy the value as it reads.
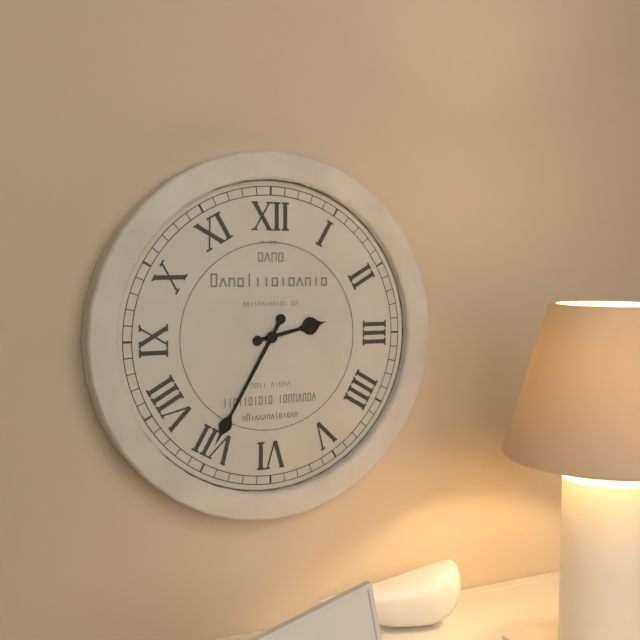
2:35
